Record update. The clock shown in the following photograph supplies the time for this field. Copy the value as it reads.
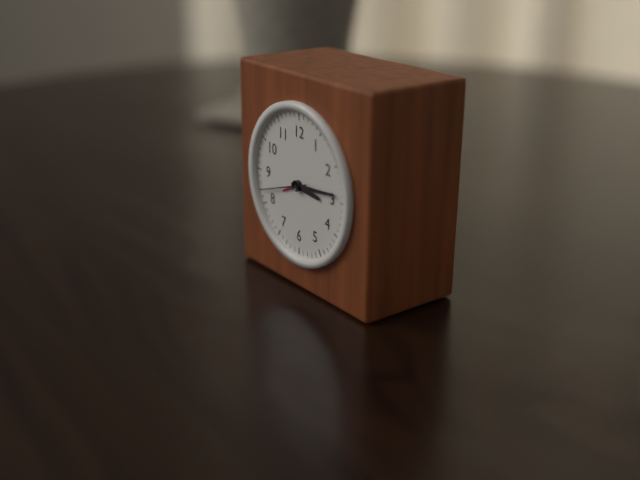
3:14
